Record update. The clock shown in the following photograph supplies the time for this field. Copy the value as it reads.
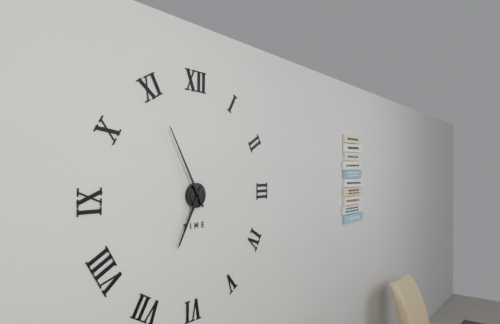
6:55
